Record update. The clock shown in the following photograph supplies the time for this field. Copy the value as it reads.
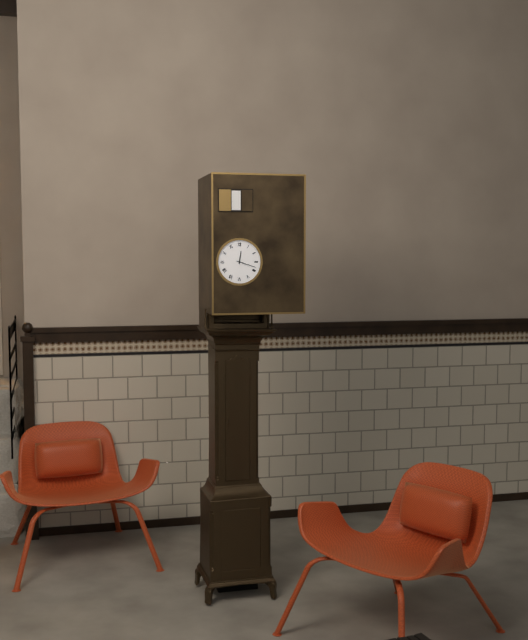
12:18
